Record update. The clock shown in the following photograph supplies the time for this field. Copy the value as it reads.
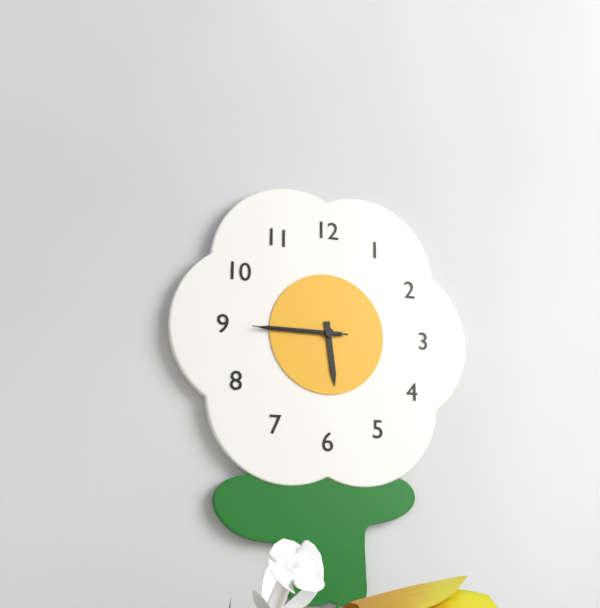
5:45:45
